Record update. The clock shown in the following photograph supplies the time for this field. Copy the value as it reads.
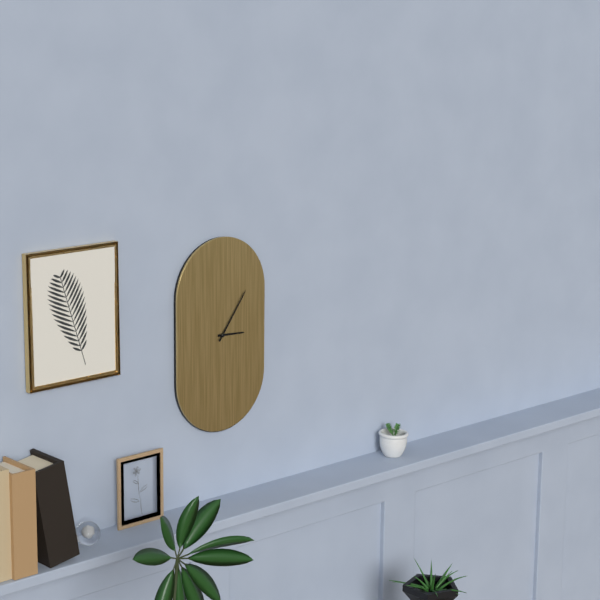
3:06
